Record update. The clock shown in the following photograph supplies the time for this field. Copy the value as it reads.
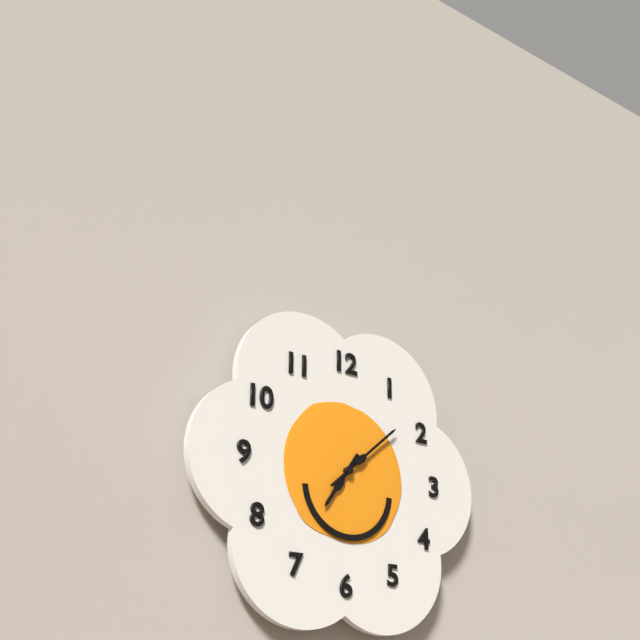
7:08
